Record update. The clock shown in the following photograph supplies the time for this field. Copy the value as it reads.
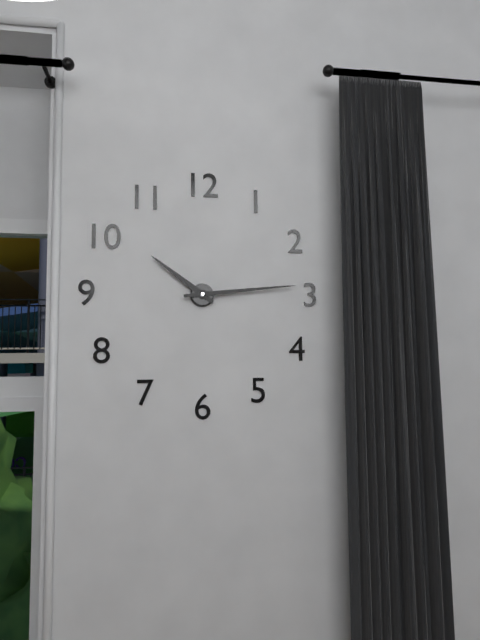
10:14
